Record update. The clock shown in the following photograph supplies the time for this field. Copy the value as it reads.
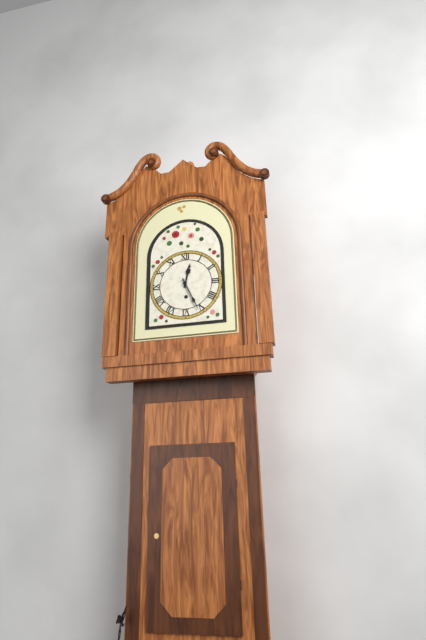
12:26
